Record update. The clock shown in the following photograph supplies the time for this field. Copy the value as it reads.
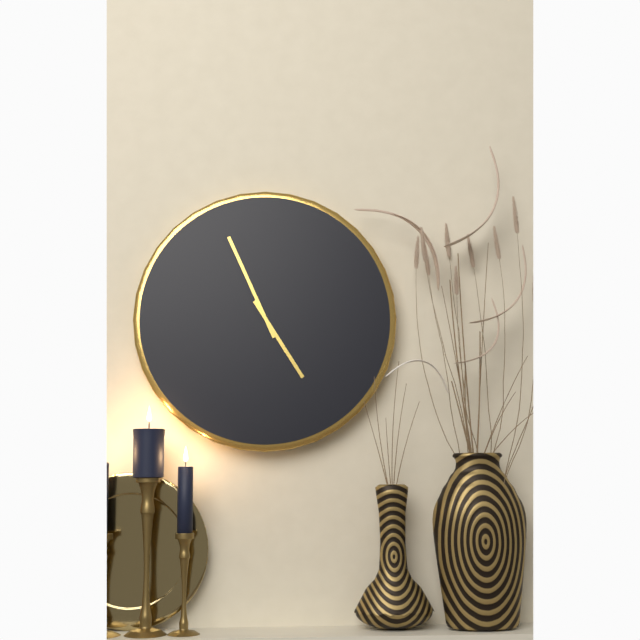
4:56
